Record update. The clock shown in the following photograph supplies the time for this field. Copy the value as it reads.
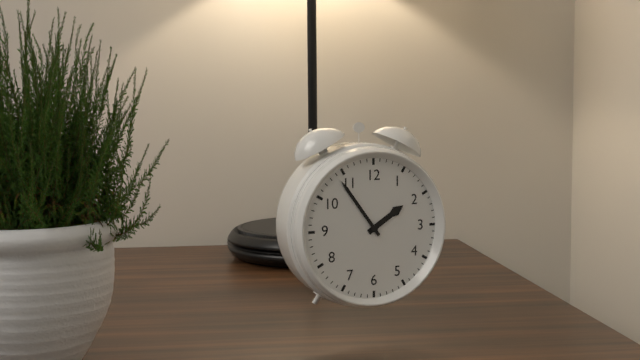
1:54
